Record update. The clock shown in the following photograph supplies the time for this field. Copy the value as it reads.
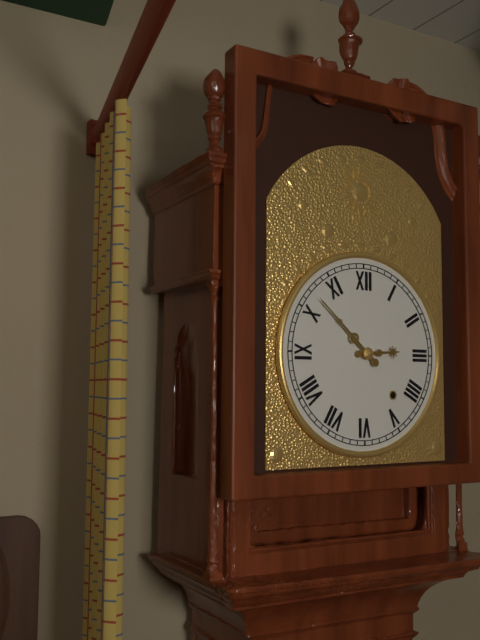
2:52
